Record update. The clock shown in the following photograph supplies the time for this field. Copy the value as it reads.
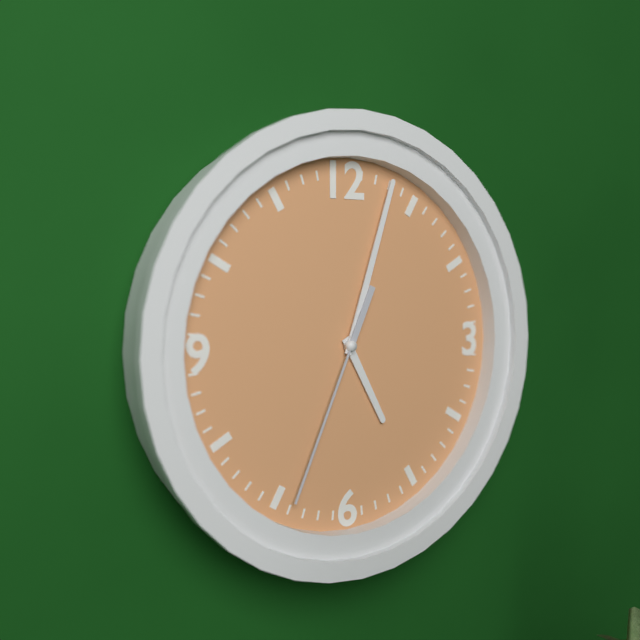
5:03:34
